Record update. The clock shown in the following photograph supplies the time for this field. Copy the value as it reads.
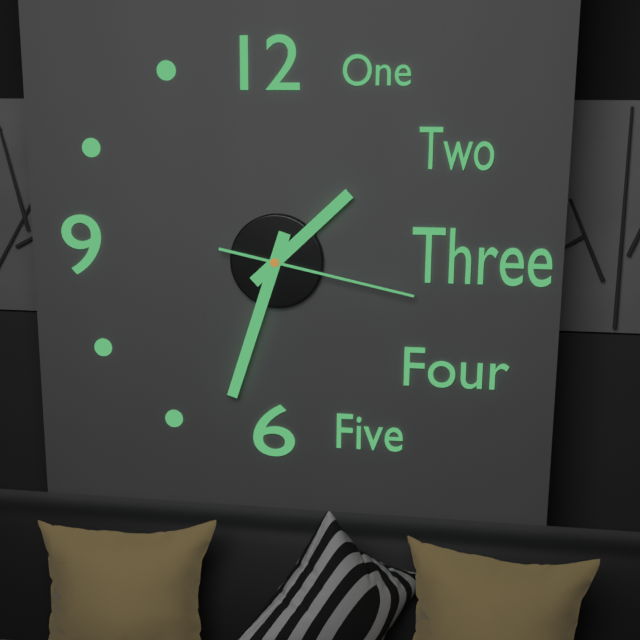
1:33:17
